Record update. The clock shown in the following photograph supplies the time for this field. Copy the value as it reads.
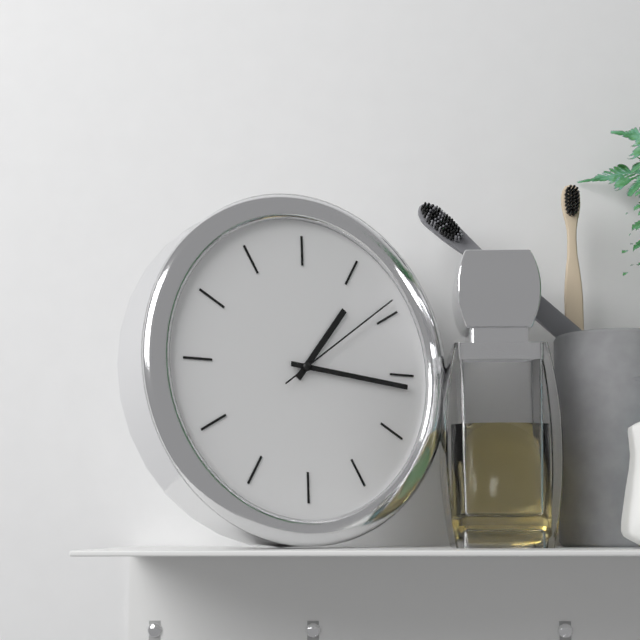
1:16:09
